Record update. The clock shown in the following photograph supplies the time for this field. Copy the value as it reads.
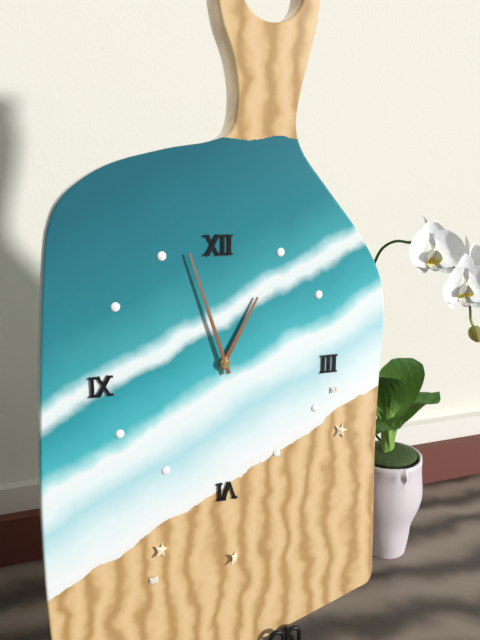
12:57
